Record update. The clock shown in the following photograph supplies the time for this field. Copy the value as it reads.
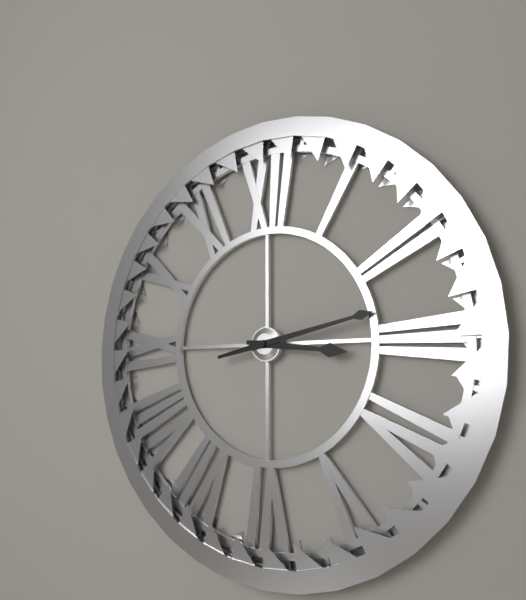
3:13
